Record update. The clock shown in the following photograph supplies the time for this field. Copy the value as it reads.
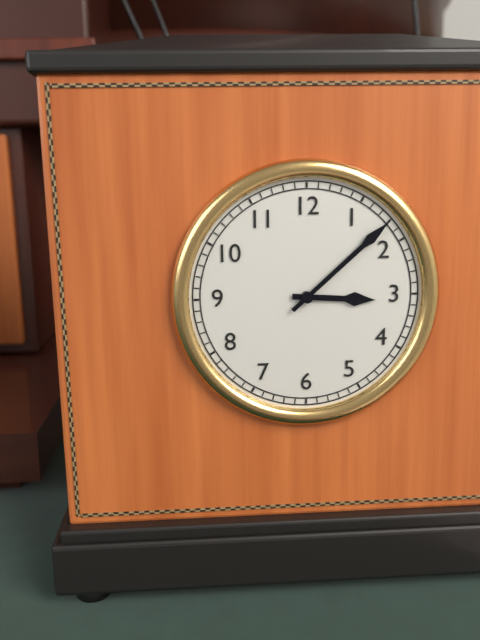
3:08
